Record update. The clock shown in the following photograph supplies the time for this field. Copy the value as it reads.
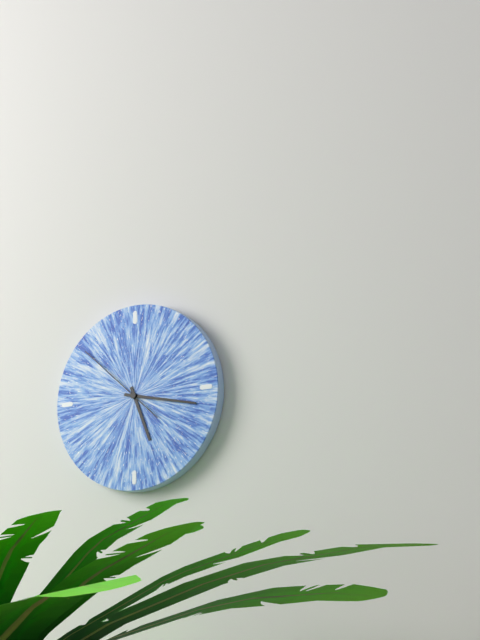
5:17:52
